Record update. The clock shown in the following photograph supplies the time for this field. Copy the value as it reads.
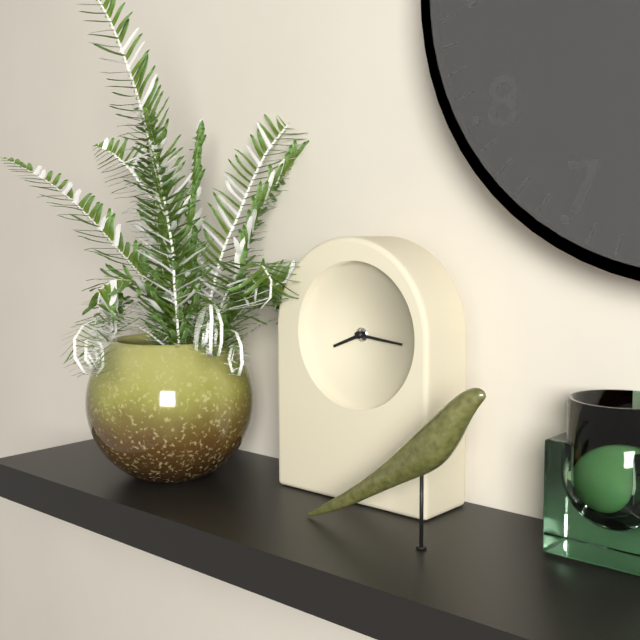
8:16
